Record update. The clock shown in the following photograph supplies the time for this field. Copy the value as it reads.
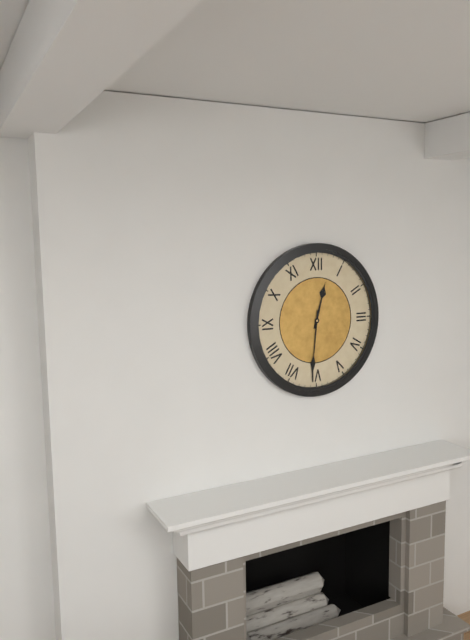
12:31
